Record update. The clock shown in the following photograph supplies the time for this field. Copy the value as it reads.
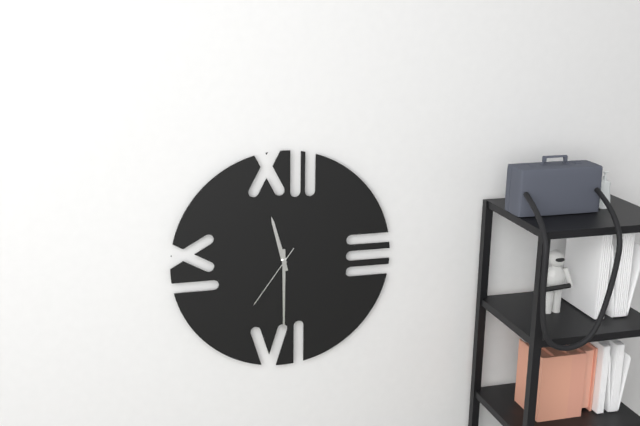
11:30:36
